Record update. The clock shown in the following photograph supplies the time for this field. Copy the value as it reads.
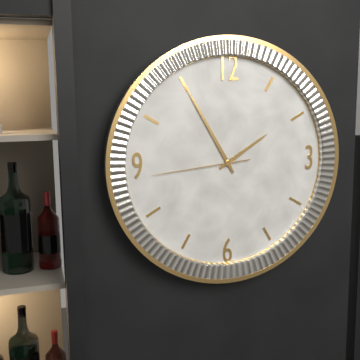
1:55:44
